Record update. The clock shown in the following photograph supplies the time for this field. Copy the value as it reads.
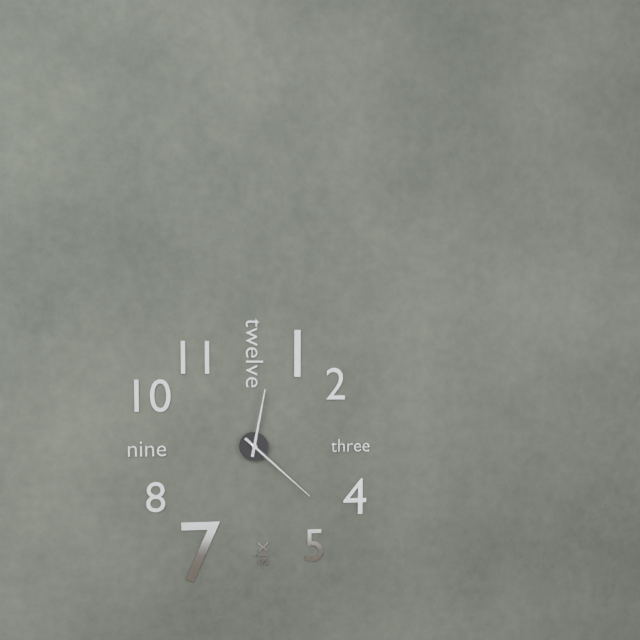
12:22
